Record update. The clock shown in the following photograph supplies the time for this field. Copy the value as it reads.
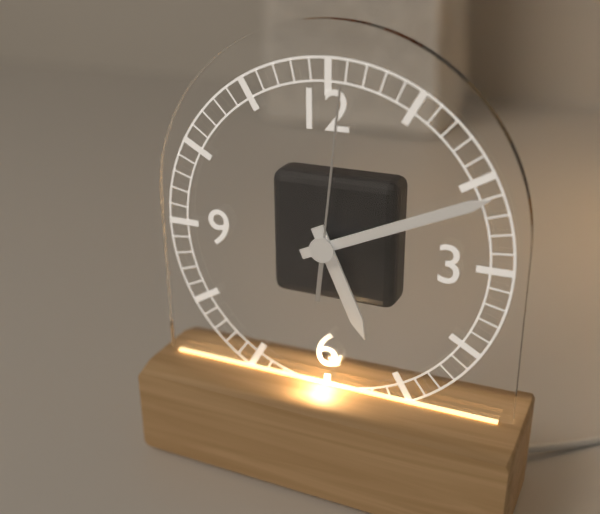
5:11:01
